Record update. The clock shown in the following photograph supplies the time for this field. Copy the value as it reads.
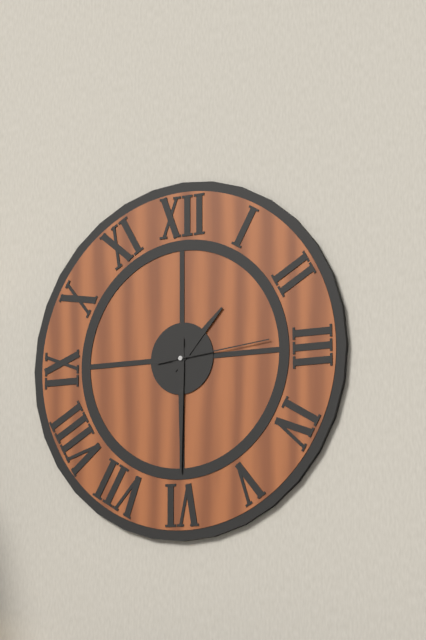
1:30:14
